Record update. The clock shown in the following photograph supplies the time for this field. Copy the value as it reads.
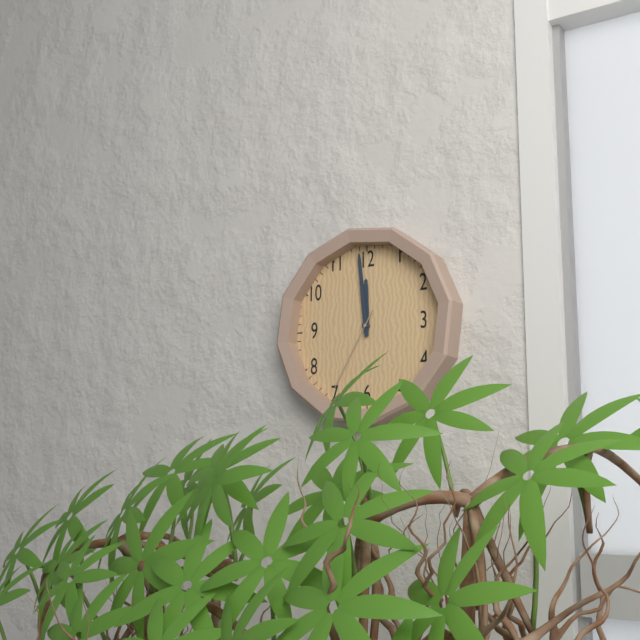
11:59:35
